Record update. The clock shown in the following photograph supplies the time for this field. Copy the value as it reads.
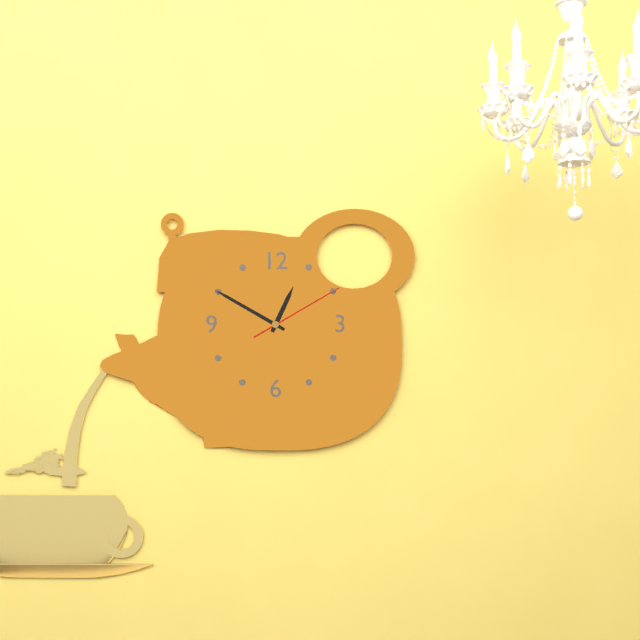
12:50:10
